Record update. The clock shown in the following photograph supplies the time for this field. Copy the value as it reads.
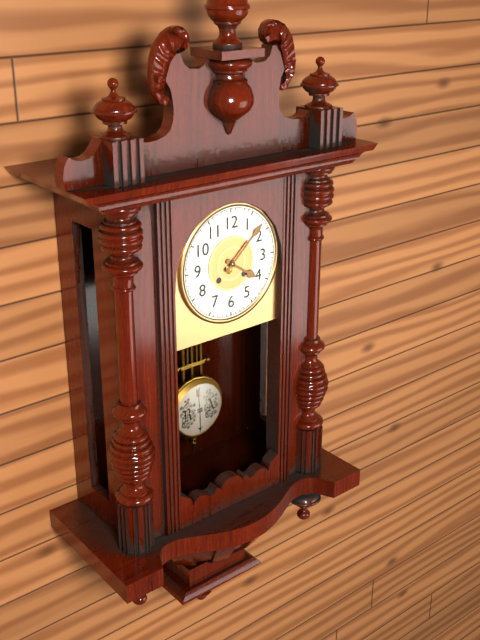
4:08
